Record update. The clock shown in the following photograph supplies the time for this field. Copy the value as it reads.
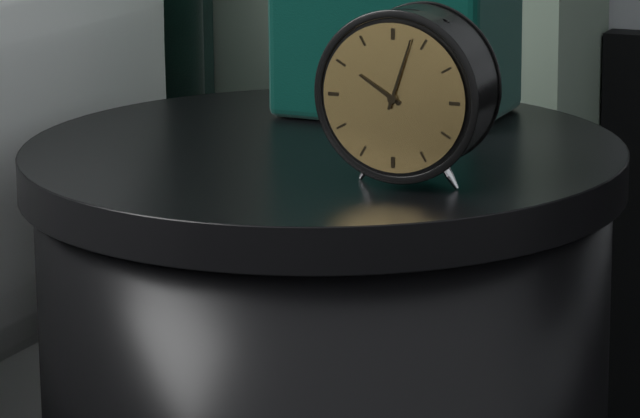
10:03
